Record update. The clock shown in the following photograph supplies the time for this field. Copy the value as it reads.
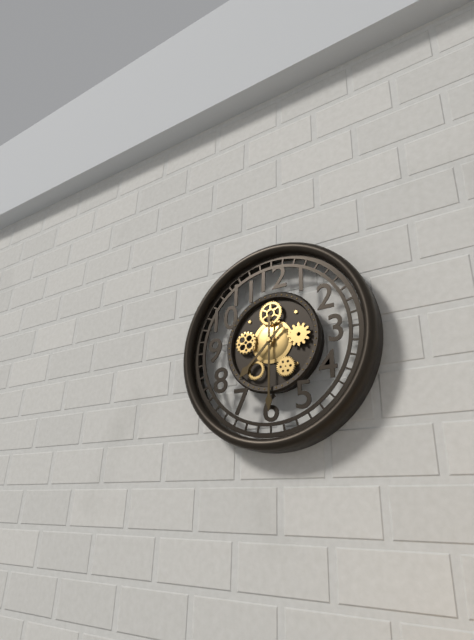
7:30
